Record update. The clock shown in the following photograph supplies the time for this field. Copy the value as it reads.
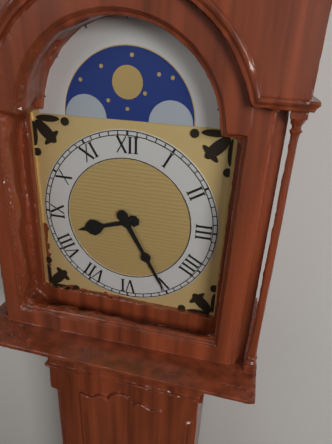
8:25
